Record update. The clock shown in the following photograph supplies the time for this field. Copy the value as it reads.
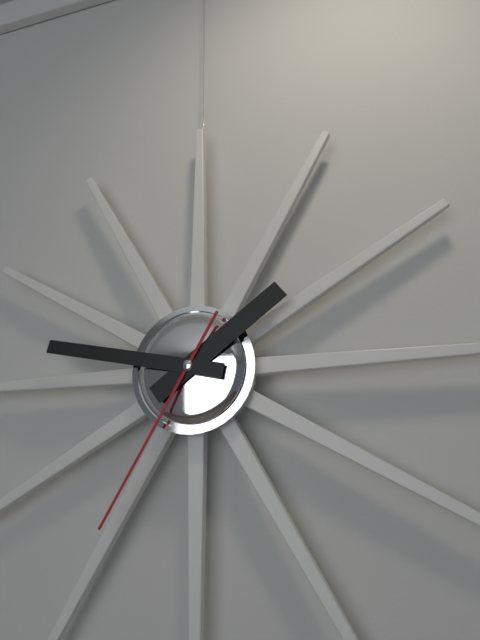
1:47:35
